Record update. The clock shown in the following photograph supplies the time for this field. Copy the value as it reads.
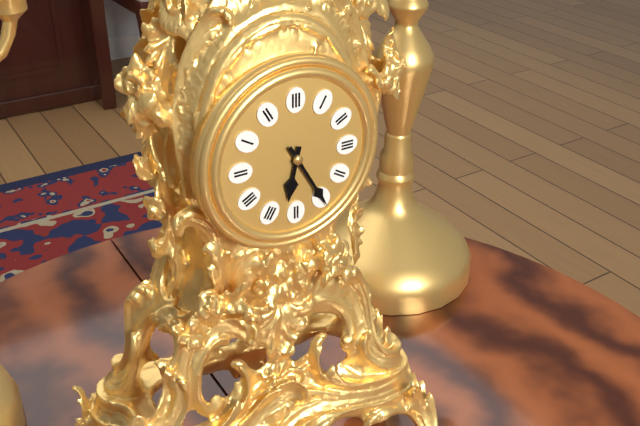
6:25
